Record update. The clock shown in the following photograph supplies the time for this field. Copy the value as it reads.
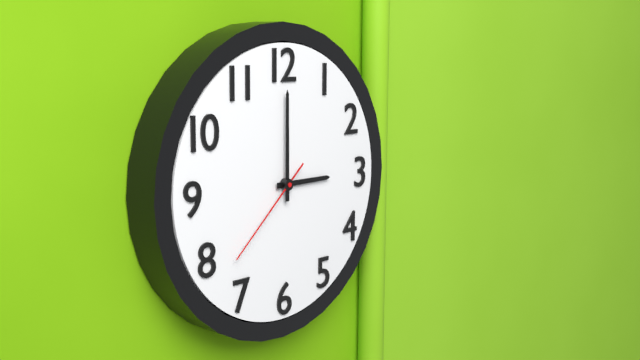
3:00:38
